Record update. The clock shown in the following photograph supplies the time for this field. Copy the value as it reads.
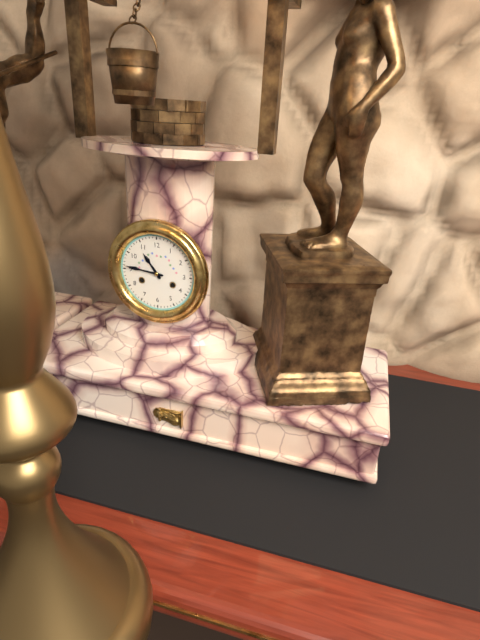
10:46
